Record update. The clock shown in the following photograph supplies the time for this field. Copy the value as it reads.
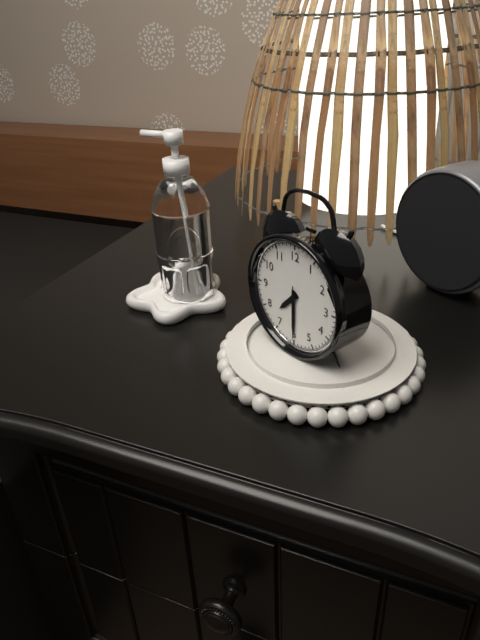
7:30:30
